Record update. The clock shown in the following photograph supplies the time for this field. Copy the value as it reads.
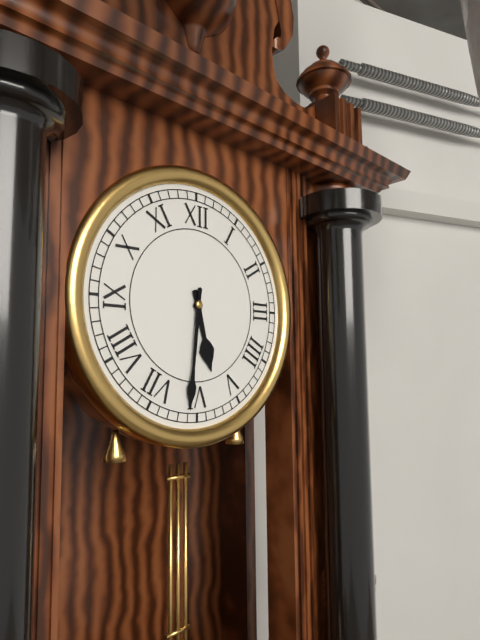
5:31
